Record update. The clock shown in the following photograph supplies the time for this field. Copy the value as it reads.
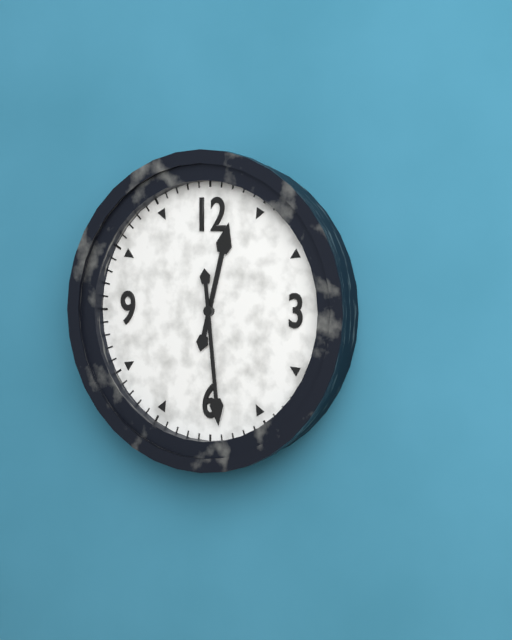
12:29
